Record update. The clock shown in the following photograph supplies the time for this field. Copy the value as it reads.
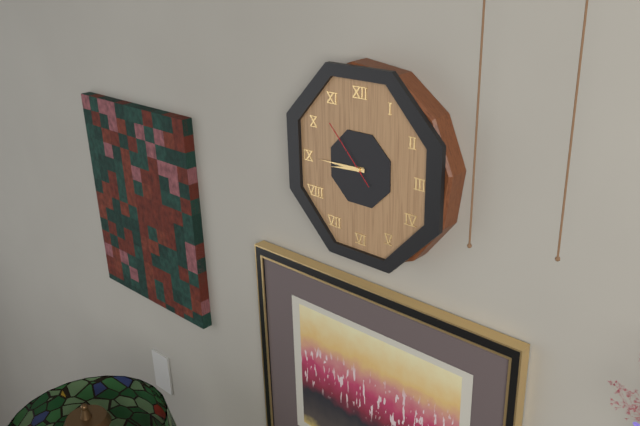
8:45:53
